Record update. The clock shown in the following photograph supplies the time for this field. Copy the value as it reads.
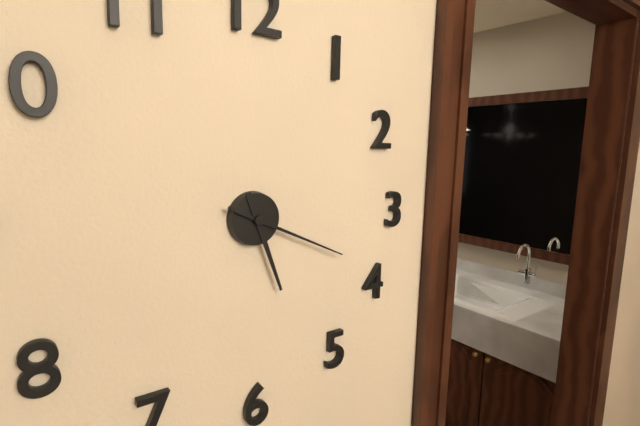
5:19
